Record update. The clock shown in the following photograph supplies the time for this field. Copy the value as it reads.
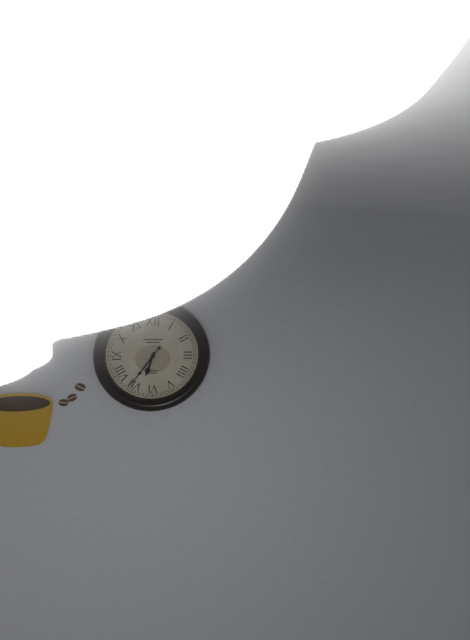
6:36
